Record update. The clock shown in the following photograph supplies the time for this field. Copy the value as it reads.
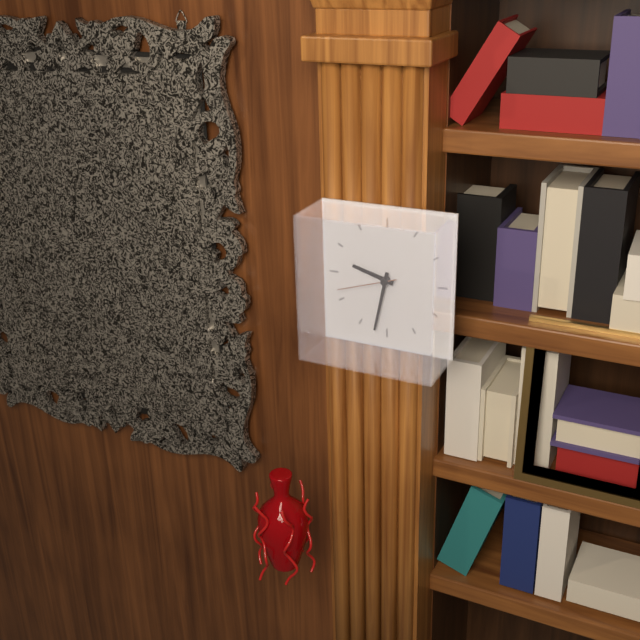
9:32:42
